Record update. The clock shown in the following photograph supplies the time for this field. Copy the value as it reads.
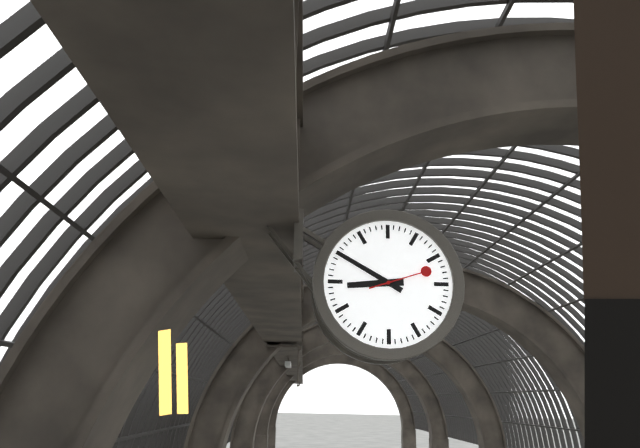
8:50:12
